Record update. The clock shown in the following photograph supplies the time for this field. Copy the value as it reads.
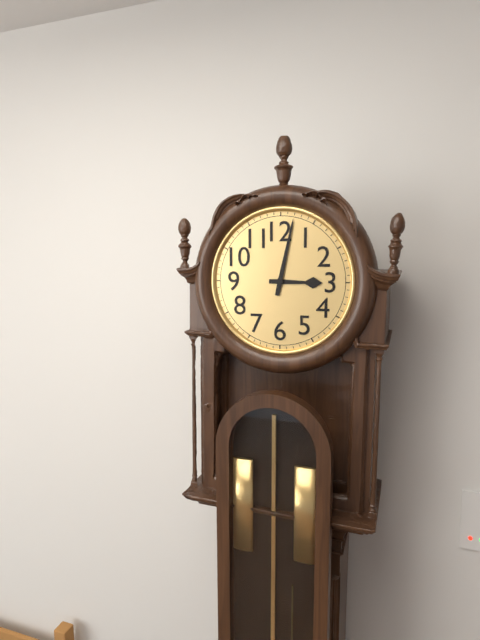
3:02
